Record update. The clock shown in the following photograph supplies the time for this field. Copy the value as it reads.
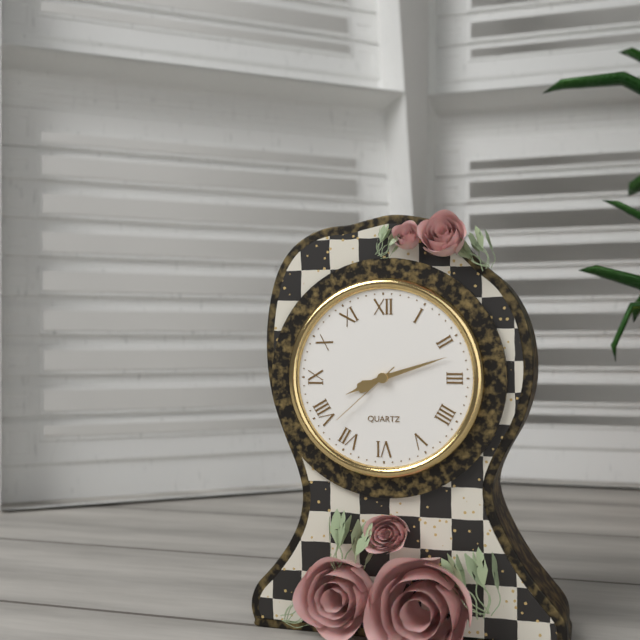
8:12:38
